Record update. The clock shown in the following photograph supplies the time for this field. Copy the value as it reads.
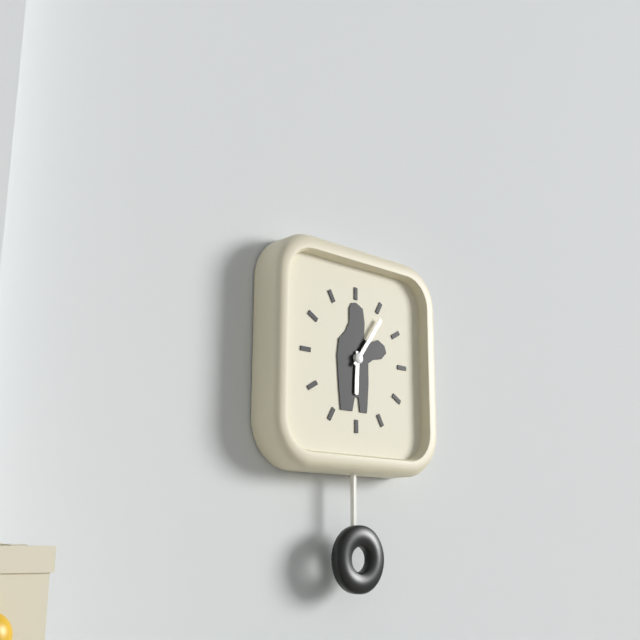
6:06
